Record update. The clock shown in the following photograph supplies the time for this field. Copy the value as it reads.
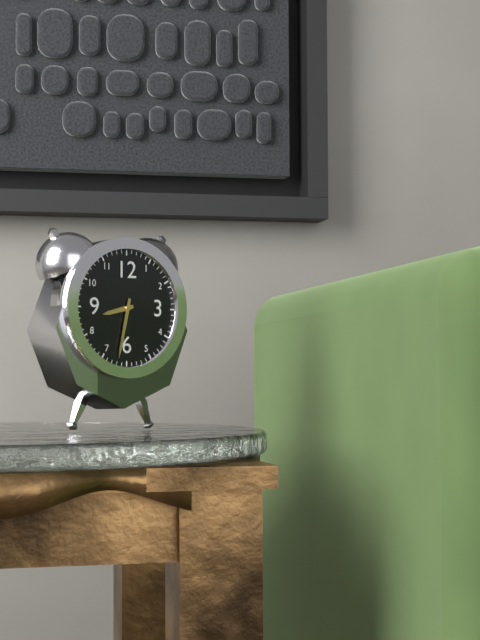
8:32
